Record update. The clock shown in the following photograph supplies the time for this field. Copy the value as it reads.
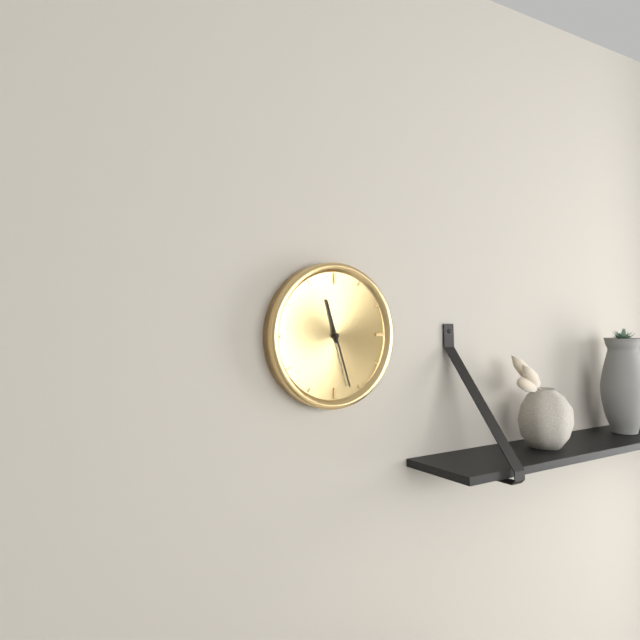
11:27
